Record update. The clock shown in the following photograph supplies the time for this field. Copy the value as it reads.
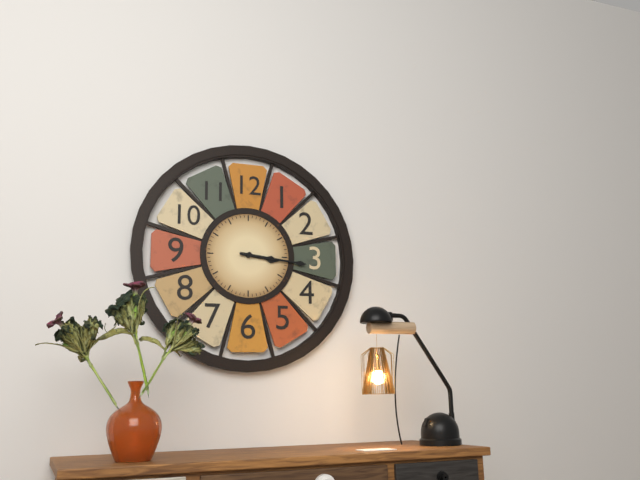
3:16
